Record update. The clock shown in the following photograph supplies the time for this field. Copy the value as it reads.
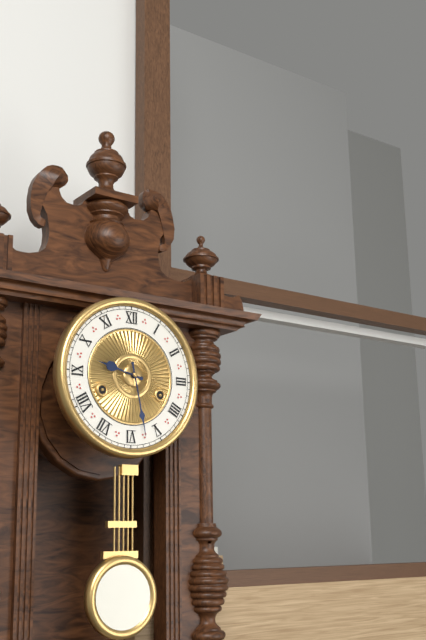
9:28
